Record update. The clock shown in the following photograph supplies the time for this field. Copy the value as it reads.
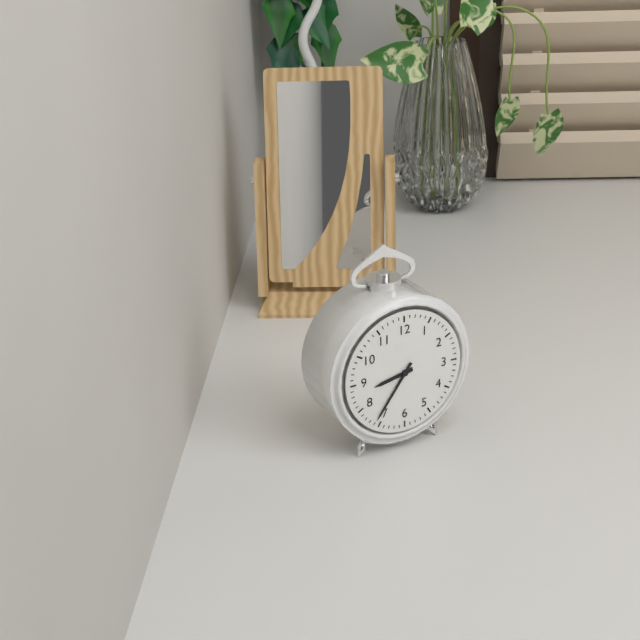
8:36
